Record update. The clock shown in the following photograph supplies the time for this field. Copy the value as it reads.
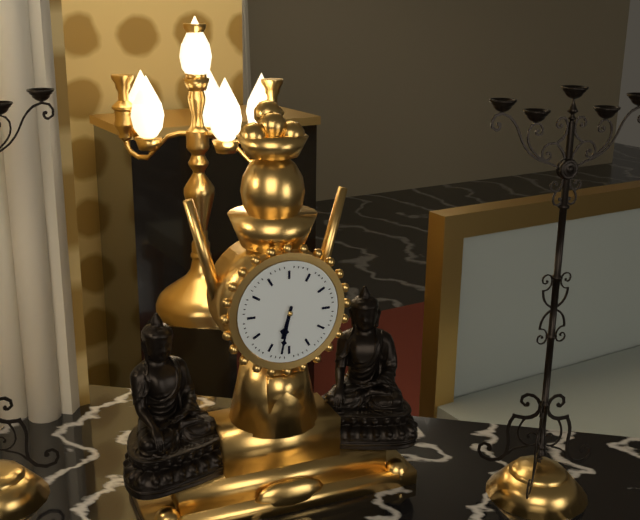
6:32
